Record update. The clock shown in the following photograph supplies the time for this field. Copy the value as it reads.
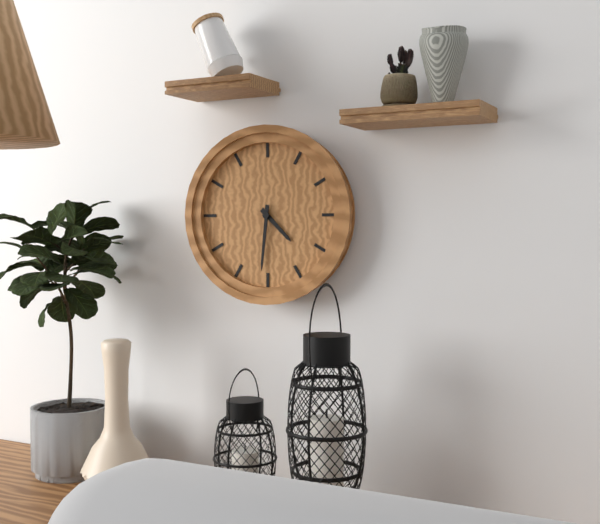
4:31
